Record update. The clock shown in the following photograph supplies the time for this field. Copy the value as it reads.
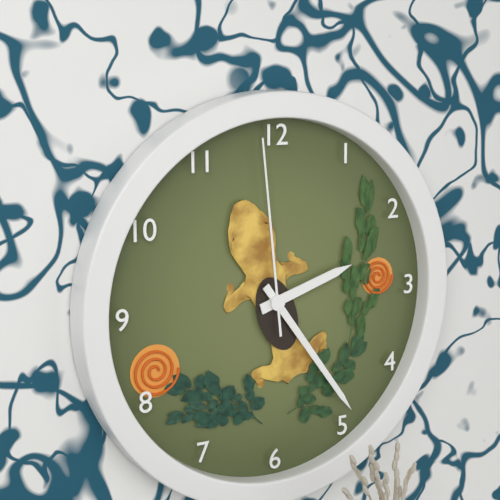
2:24:59
